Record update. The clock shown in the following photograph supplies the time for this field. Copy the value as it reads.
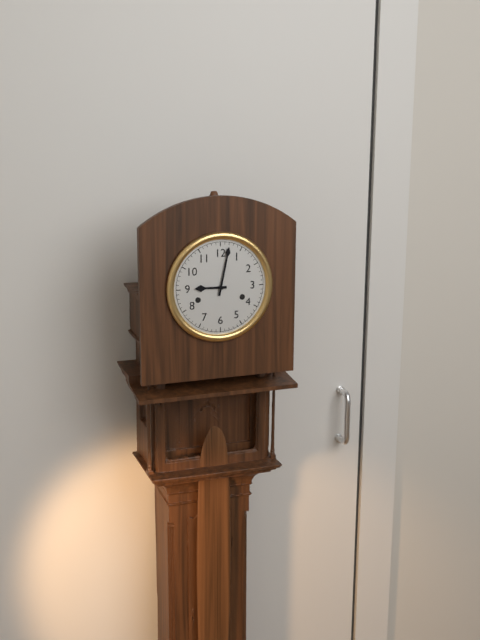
9:02
